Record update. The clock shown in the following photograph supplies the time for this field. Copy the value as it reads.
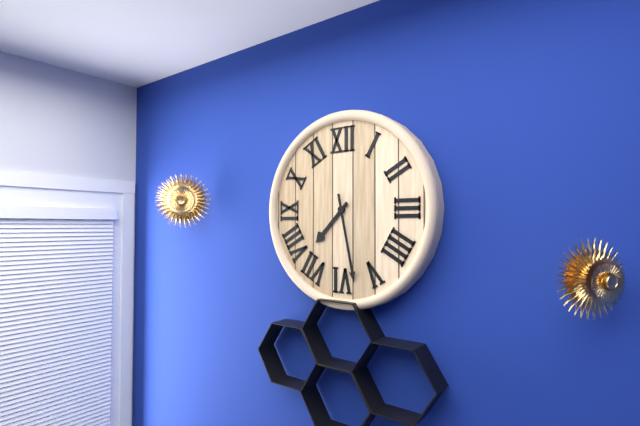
7:28
